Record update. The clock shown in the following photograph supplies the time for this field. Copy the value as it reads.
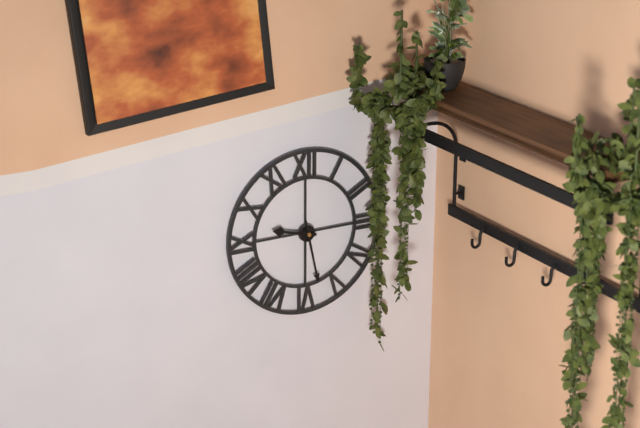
9:28
